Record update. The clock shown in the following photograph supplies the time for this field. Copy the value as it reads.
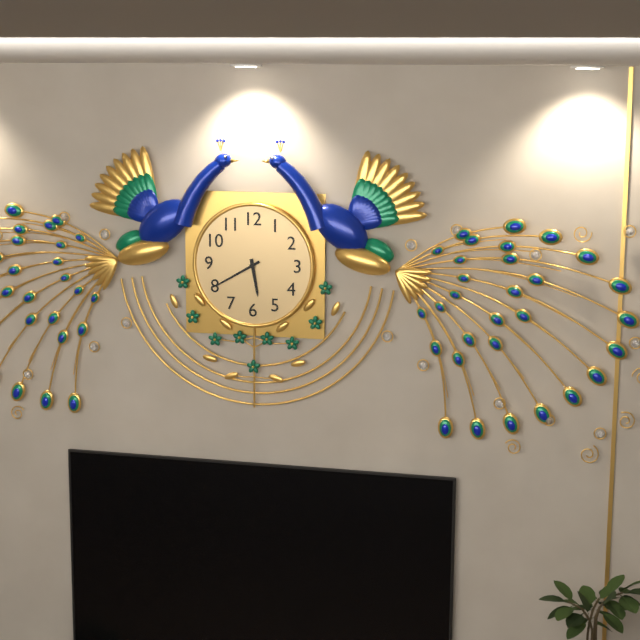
5:40
